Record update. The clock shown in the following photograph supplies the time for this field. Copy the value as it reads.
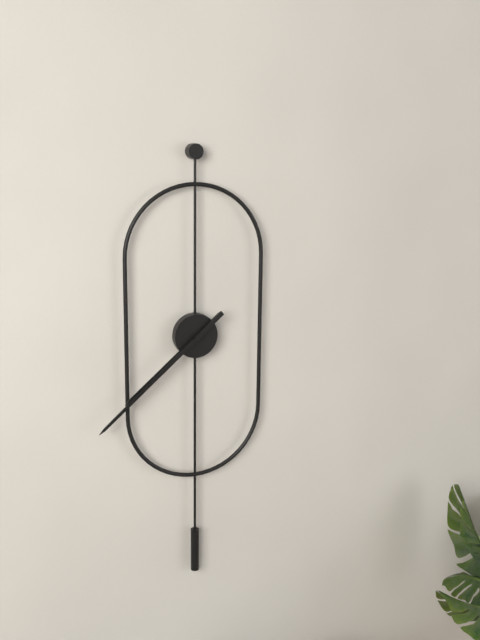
7:38
